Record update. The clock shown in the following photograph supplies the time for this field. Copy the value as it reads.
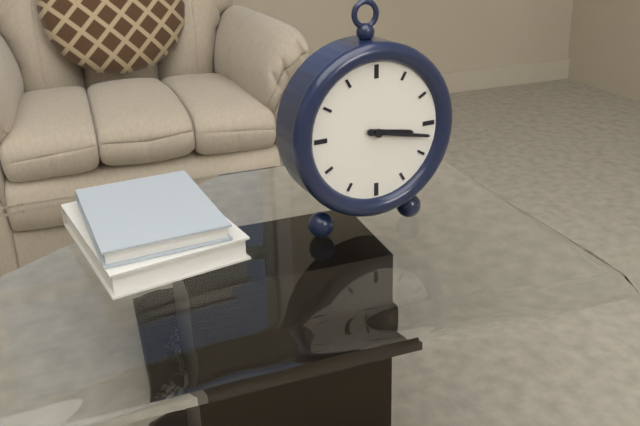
3:17
